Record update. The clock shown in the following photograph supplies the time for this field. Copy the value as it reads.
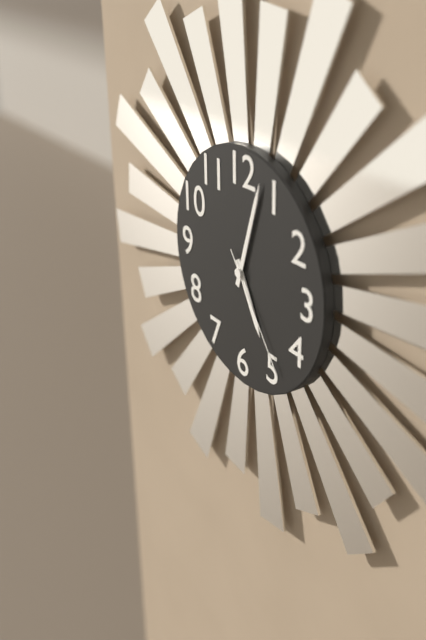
5:03:24
